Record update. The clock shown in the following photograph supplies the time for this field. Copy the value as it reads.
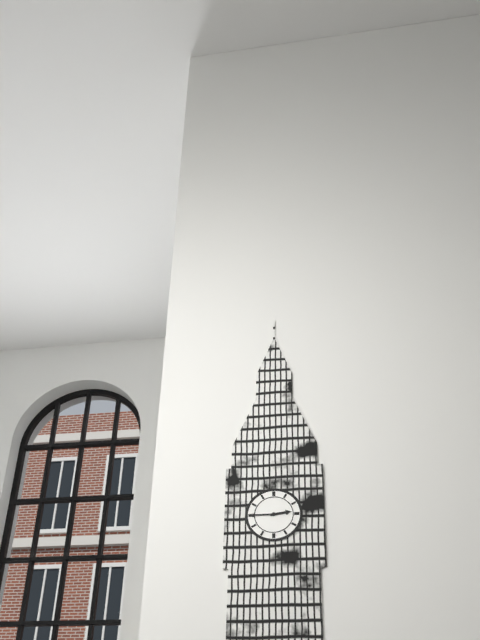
2:45
